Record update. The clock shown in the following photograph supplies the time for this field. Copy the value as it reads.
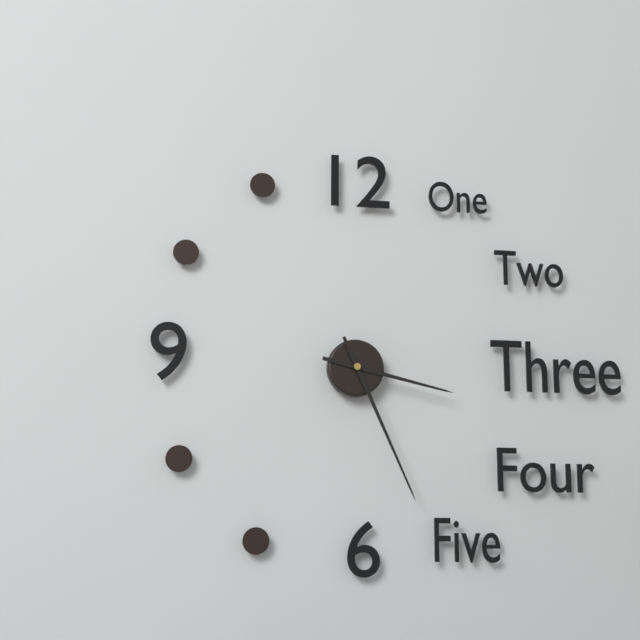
3:26
